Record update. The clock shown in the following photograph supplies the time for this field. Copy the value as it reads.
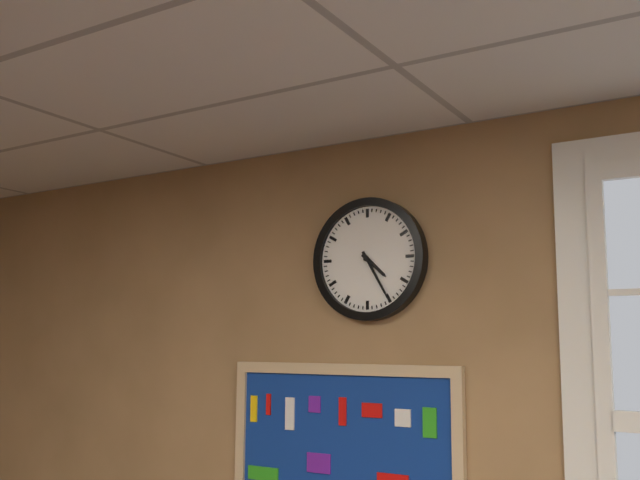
4:25
